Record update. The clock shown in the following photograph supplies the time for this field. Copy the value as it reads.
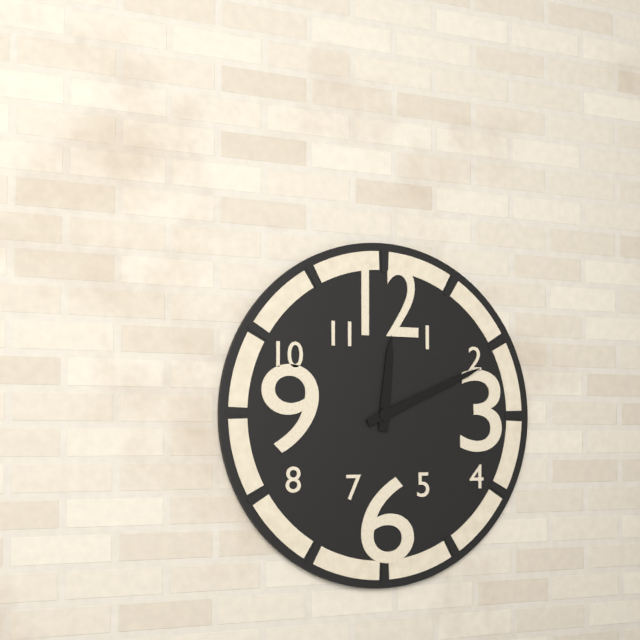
12:11
